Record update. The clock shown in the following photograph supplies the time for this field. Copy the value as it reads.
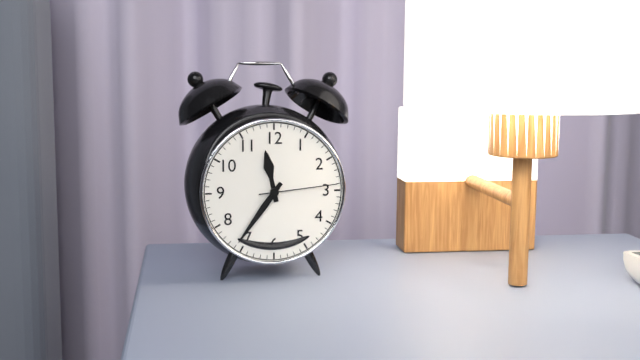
11:36:14
